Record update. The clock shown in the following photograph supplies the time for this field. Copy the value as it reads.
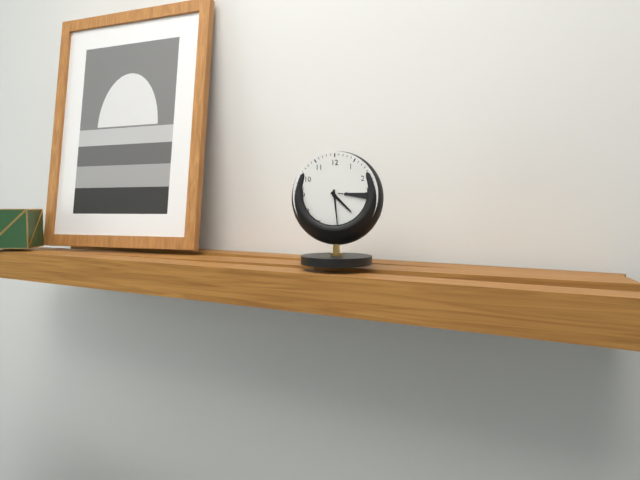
4:29
